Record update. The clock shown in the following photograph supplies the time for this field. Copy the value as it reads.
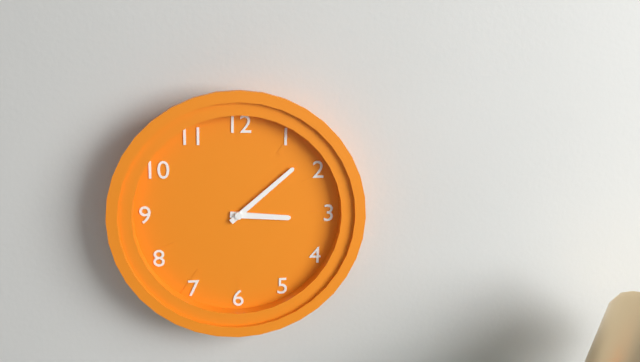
3:08
